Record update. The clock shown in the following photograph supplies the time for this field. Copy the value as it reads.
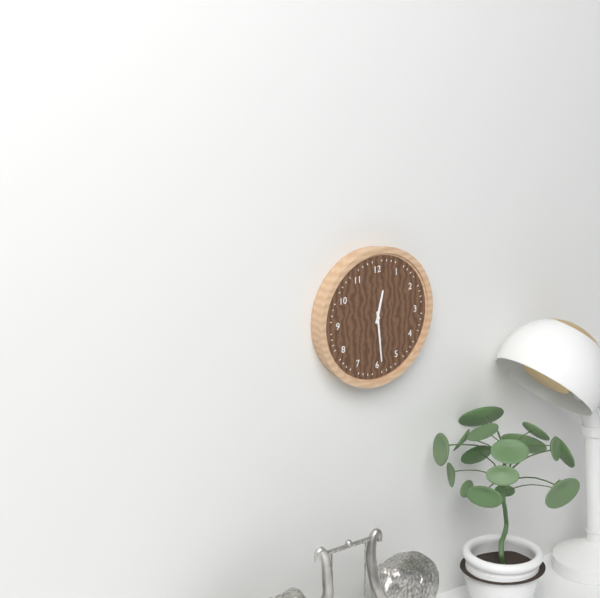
12:29
